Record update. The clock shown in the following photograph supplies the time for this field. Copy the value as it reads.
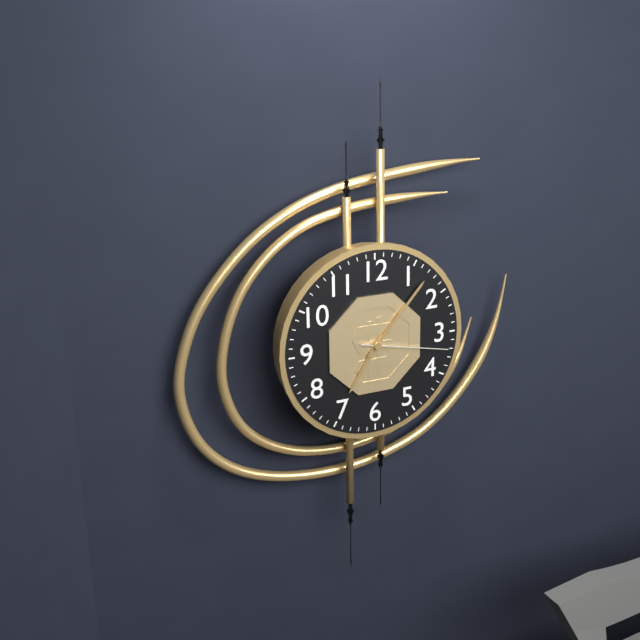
7:07:17
